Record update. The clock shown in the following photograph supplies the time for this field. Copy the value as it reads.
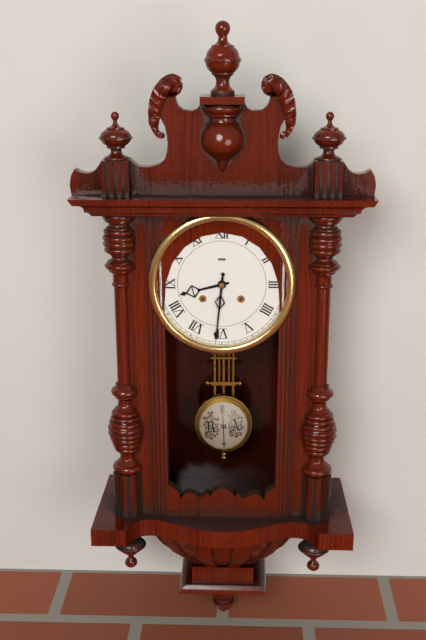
8:31
